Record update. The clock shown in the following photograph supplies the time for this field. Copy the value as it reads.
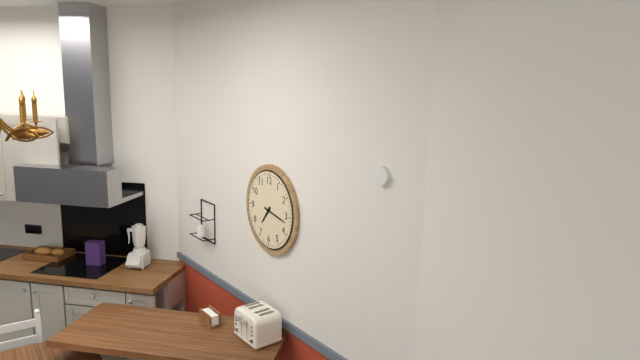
7:17
